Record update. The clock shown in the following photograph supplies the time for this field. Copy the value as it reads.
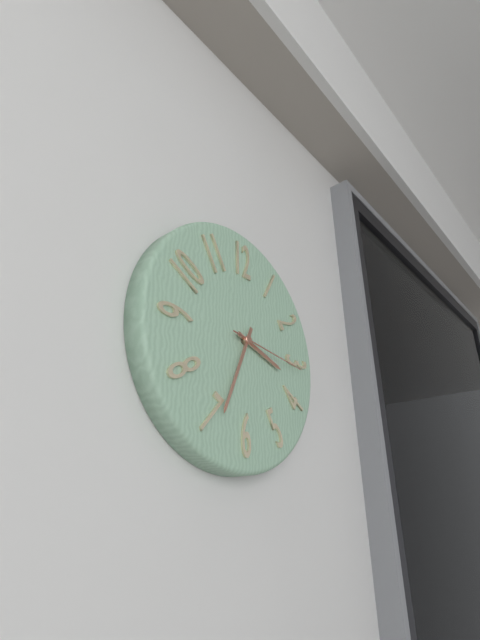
3:34:16
